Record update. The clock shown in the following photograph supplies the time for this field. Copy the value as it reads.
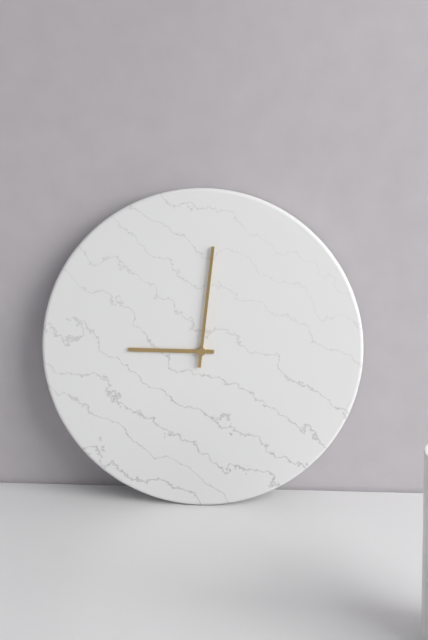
9:01
